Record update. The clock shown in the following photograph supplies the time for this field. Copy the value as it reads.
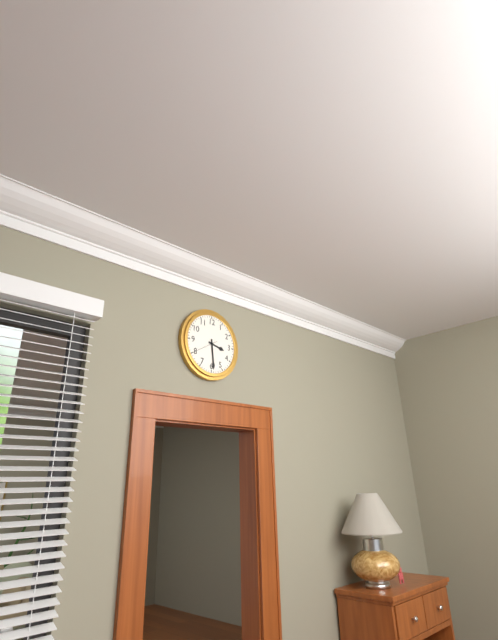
3:29
